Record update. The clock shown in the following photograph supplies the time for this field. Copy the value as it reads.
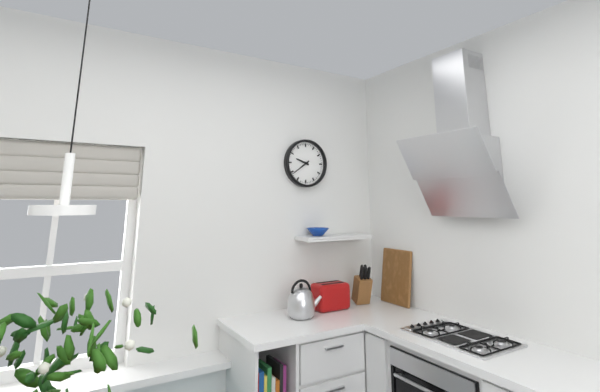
9:39
